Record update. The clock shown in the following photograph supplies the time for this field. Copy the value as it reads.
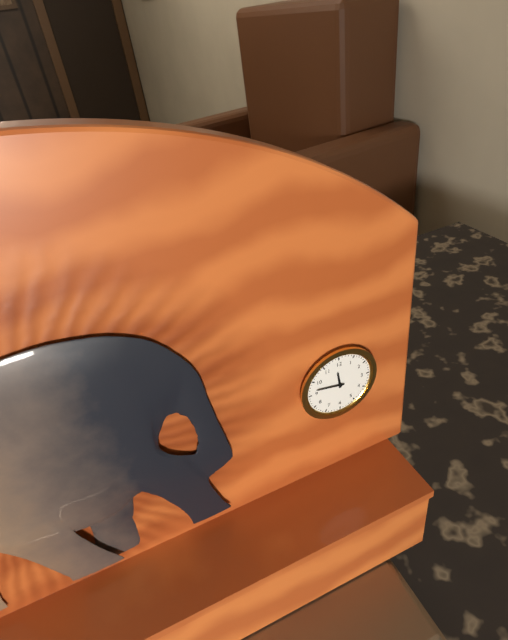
11:47
